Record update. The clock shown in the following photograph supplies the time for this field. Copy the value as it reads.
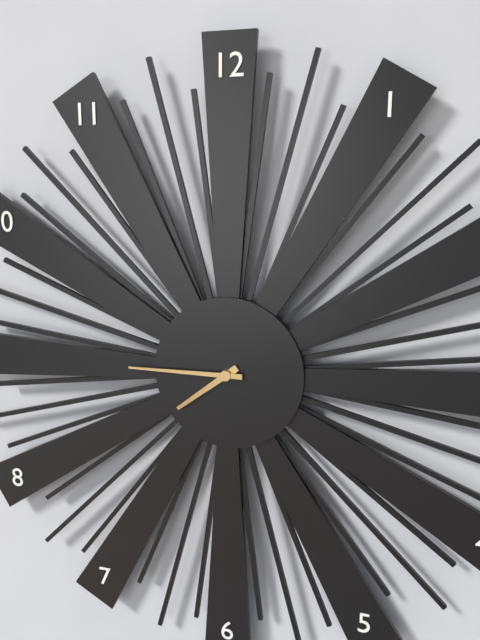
7:45
